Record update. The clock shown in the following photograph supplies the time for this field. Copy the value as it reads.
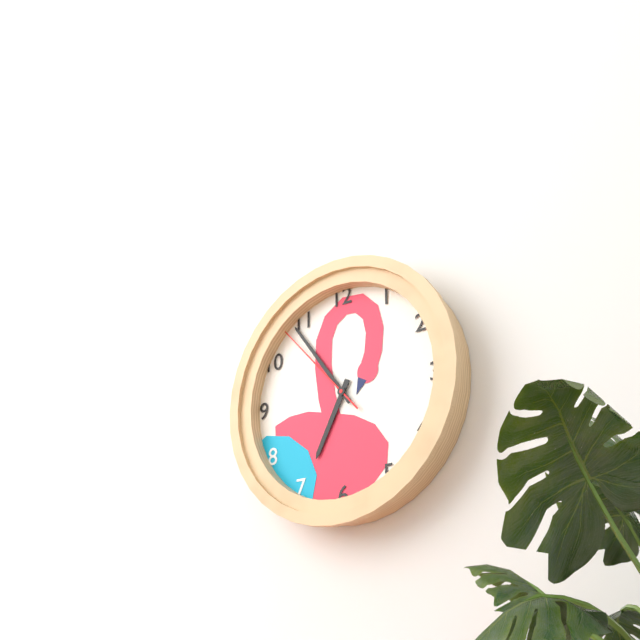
6:54:53
